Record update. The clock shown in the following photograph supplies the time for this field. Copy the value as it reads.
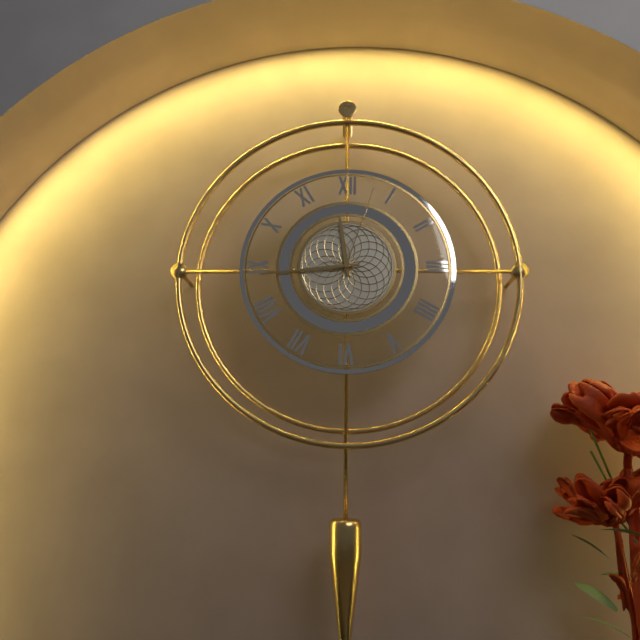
11:44:03
